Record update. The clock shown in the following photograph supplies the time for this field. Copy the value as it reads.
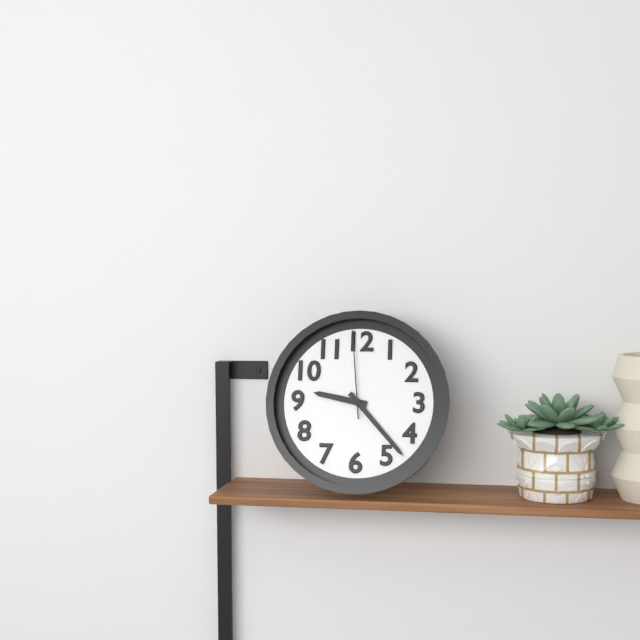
9:23:59
